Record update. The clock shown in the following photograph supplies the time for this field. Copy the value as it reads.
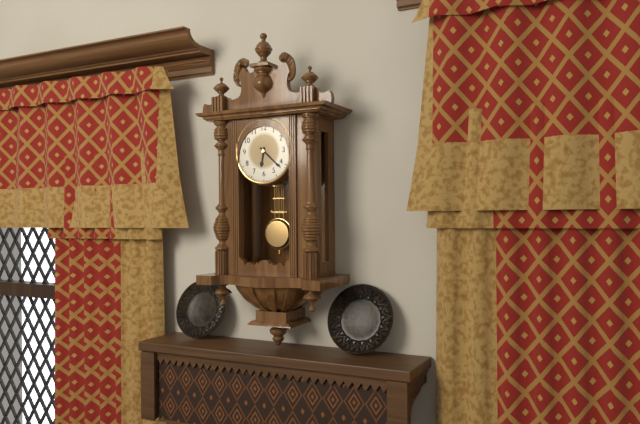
6:22
